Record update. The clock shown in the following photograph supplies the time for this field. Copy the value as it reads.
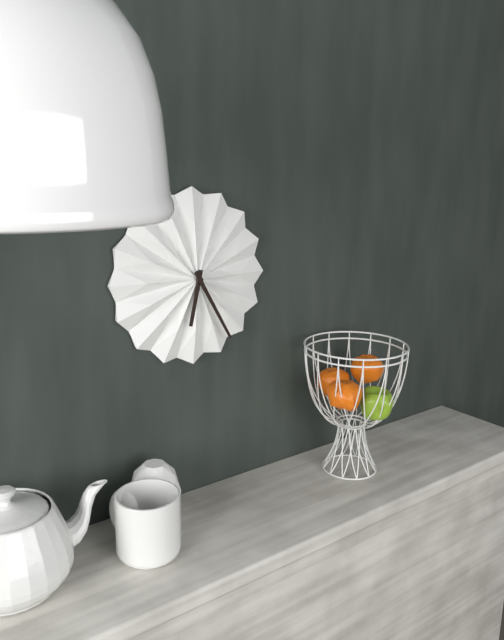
6:25
